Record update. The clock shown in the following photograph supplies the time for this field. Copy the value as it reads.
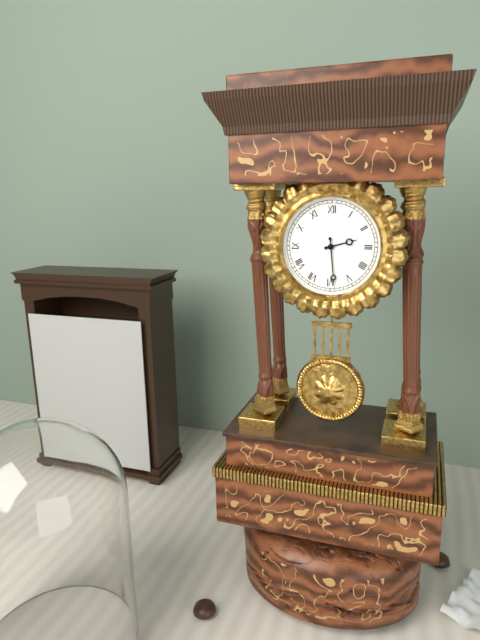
2:29
